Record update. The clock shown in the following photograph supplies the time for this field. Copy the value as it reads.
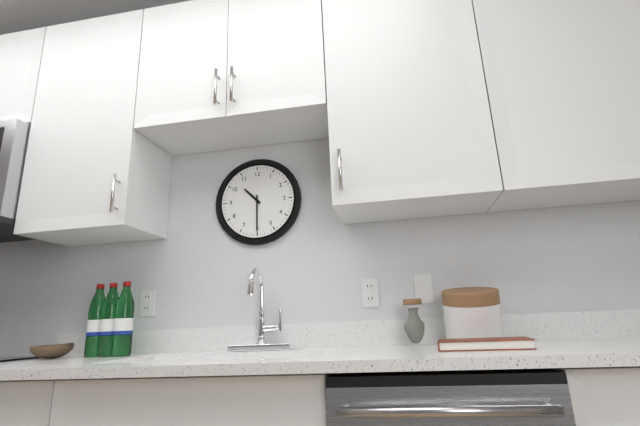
10:30
